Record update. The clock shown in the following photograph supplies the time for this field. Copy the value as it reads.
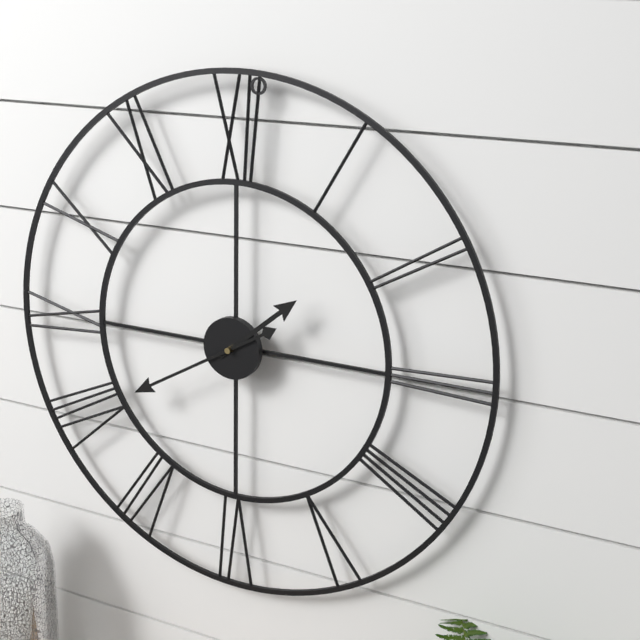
1:40
